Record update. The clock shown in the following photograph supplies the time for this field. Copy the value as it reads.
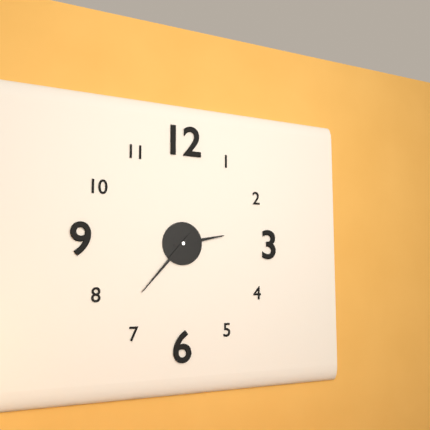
2:37
